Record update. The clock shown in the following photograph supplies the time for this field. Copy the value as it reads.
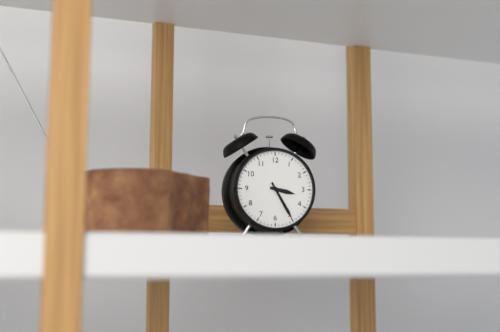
3:25
